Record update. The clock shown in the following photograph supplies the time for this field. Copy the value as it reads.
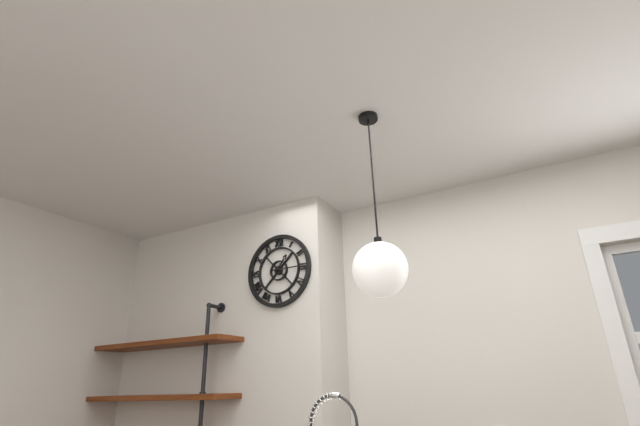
1:15
